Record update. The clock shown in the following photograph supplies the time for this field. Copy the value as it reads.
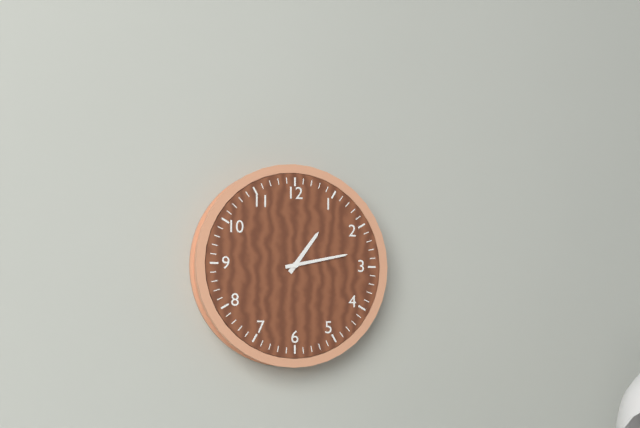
1:13
